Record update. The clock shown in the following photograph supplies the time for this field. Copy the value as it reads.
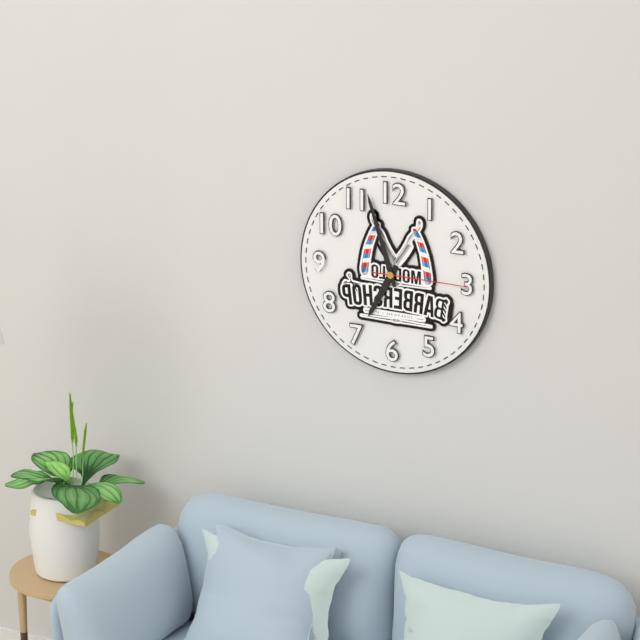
6:57:15
